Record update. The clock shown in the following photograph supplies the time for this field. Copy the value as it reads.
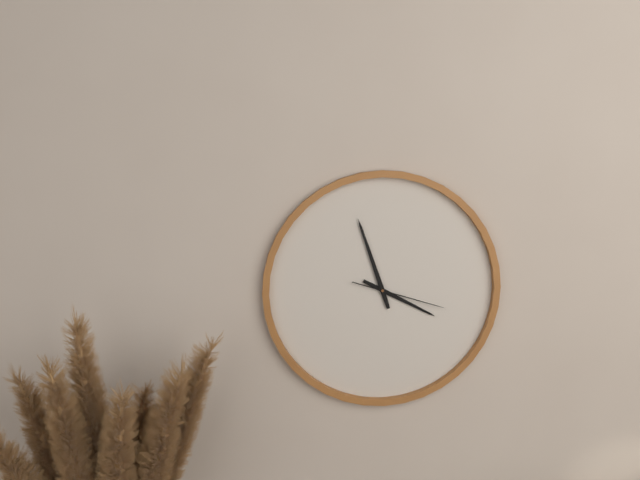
3:57:18
